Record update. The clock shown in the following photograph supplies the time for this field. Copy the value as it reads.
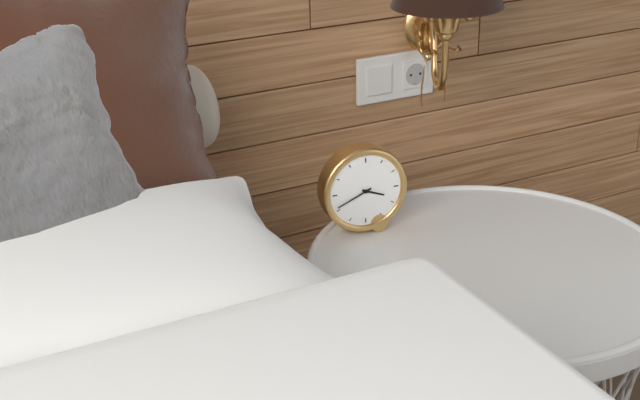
3:41
